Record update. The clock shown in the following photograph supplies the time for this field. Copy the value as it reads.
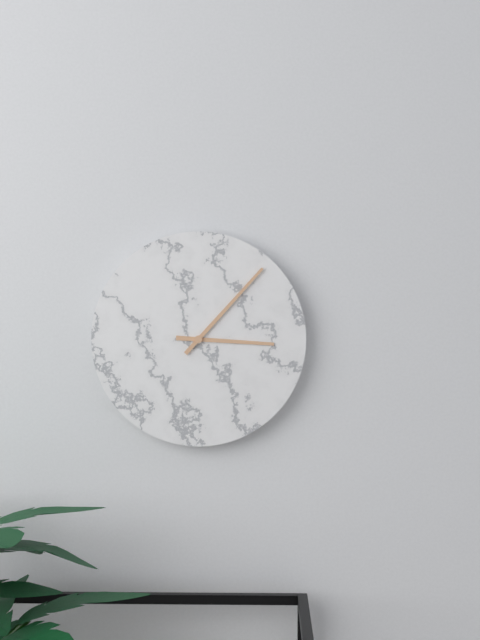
3:07
